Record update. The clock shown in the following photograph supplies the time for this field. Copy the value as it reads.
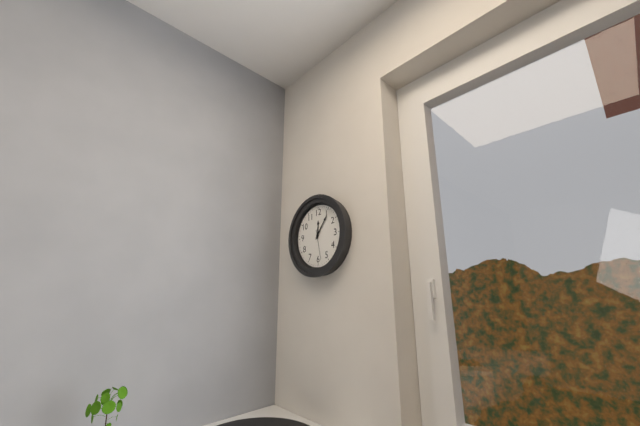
12:06
